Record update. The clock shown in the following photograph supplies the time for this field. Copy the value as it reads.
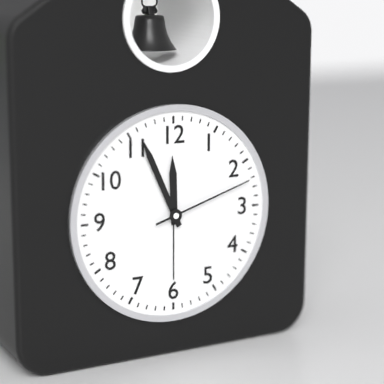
11:56:12
